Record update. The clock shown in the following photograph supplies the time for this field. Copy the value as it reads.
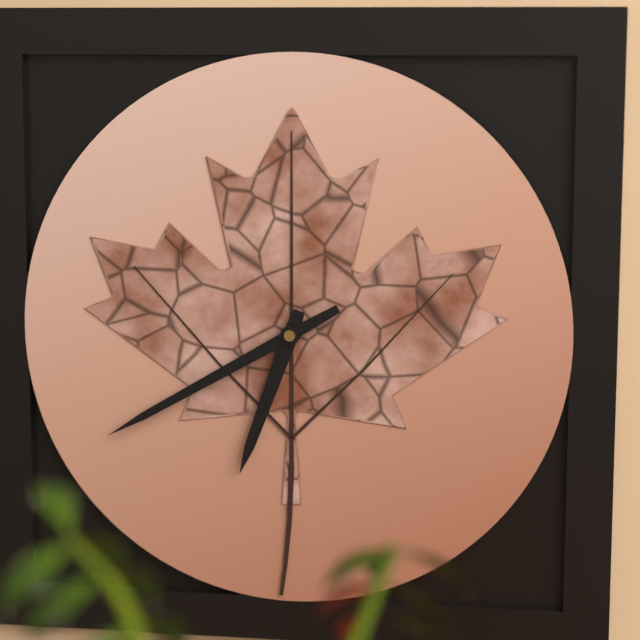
6:40
